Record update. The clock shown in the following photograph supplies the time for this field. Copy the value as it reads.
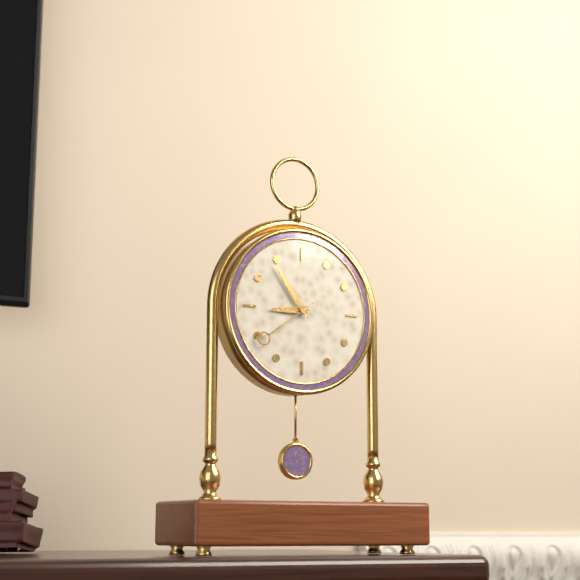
8:54:39
